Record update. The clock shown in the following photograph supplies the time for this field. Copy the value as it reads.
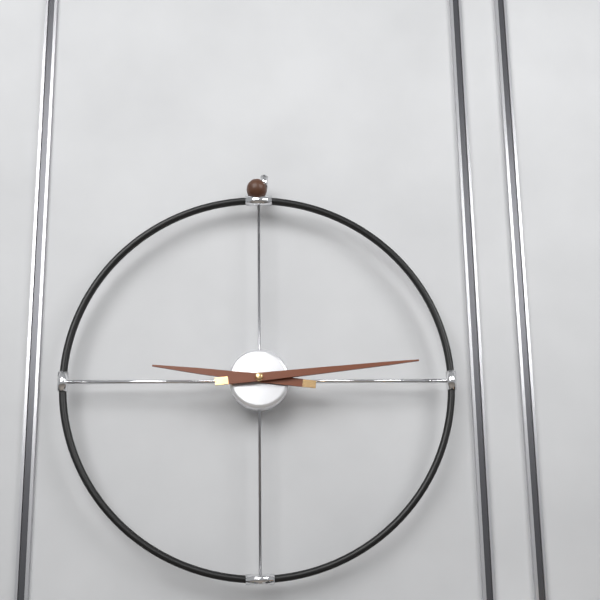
9:14
